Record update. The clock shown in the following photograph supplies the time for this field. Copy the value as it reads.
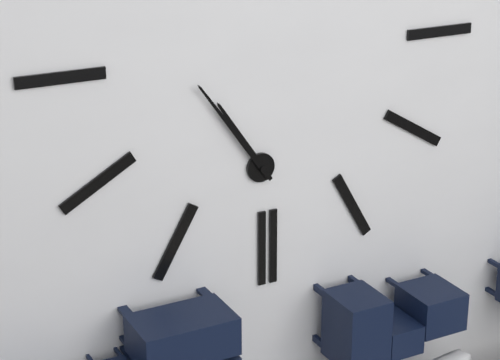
10:54
